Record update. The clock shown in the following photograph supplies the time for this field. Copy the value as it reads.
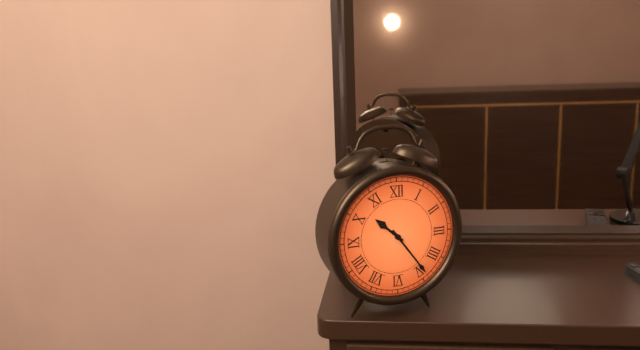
10:24
